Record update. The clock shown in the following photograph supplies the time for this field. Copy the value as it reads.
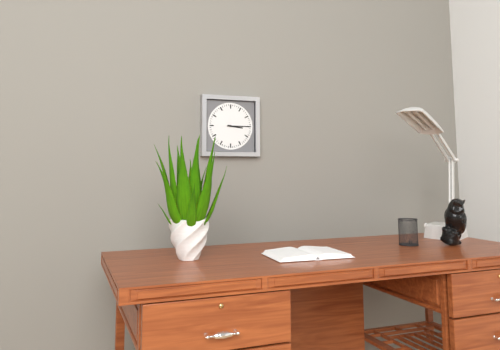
3:15
